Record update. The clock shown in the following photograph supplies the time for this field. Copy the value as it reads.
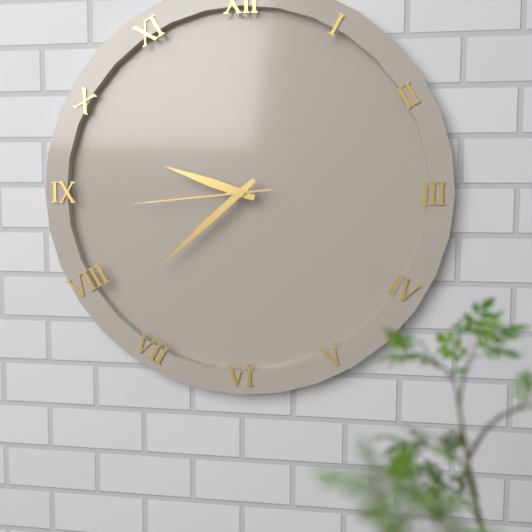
9:38:44
